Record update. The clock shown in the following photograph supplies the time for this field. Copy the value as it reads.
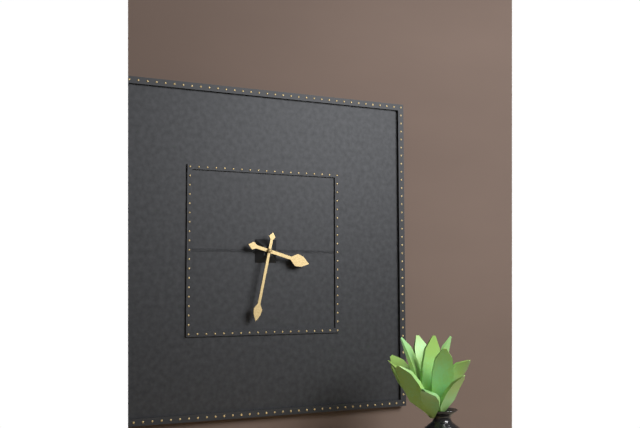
3:32
